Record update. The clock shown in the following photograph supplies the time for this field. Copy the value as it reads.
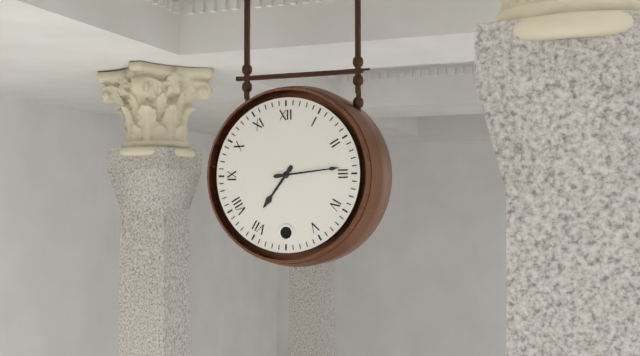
7:14
